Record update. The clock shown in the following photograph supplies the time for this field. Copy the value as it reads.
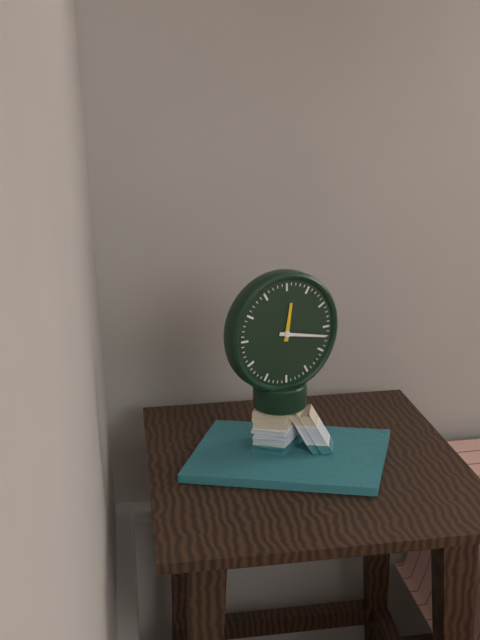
12:17
